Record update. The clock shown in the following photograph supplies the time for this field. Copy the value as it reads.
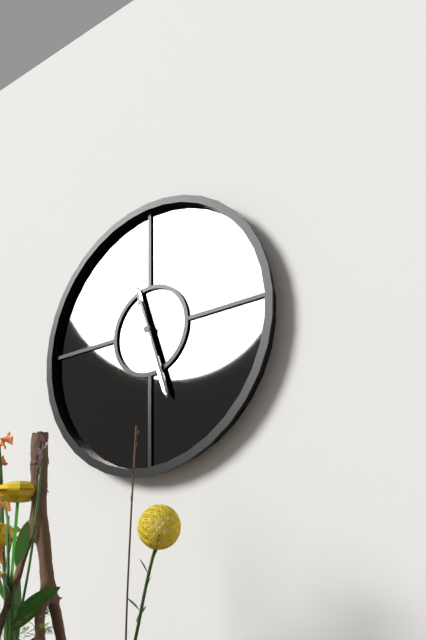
11:27
